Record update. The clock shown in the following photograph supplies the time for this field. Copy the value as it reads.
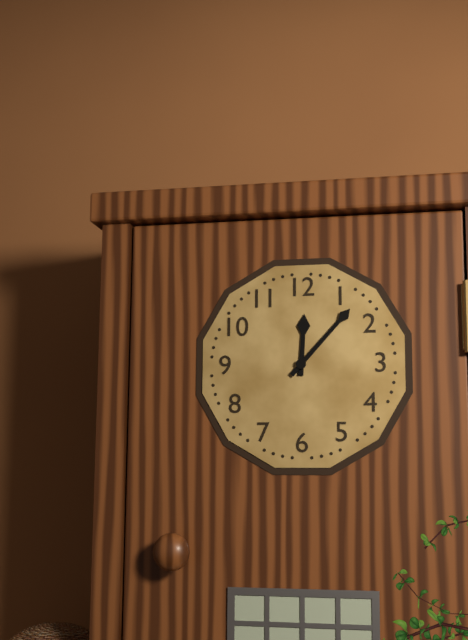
12:07
